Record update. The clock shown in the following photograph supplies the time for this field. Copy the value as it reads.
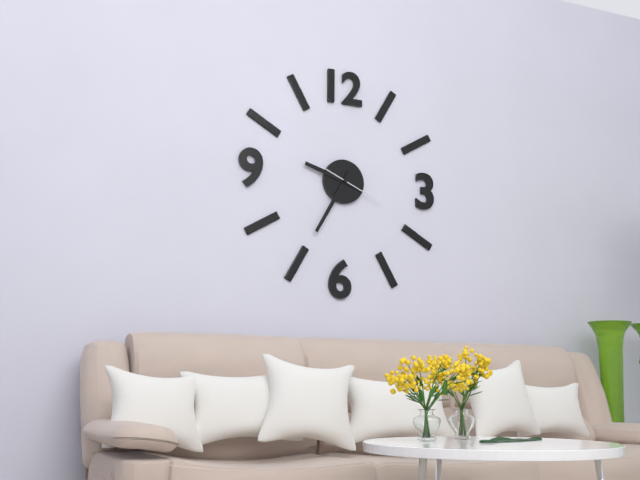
9:35:19
